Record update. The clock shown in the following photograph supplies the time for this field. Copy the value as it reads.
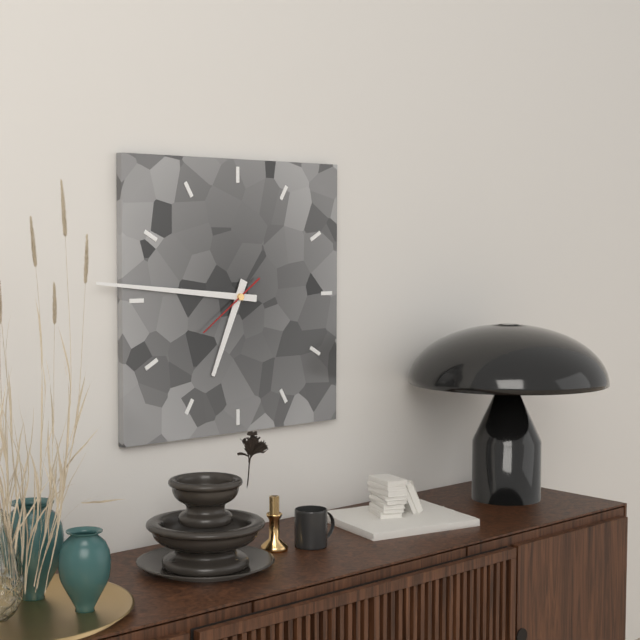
6:46:39
